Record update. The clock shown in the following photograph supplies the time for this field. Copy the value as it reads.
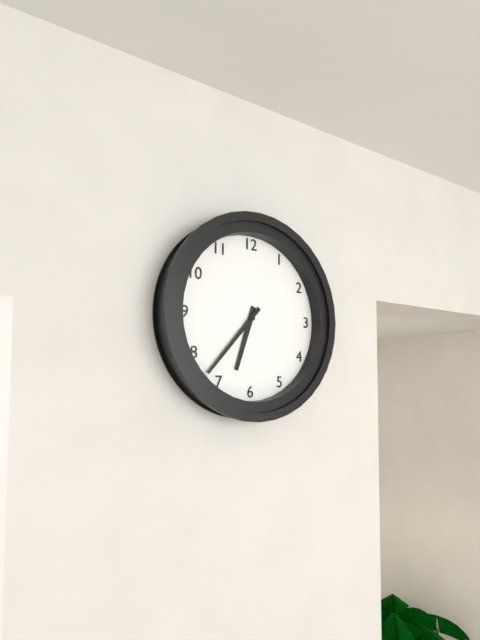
6:37
